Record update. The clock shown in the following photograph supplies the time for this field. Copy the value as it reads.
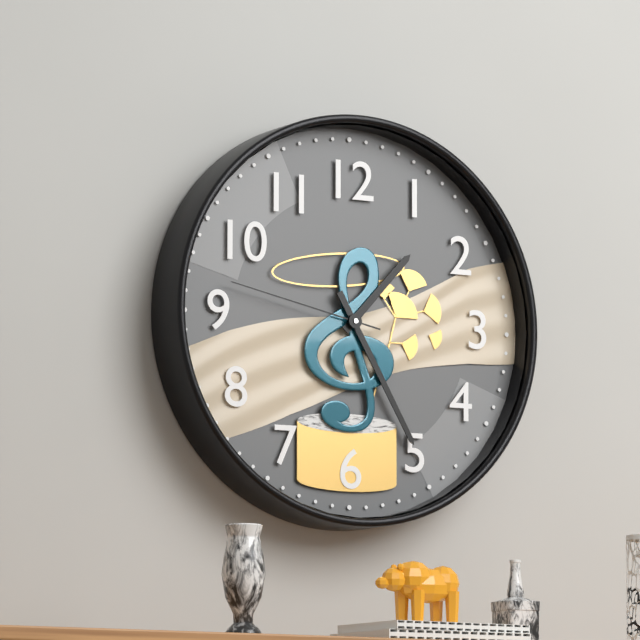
1:25:47
